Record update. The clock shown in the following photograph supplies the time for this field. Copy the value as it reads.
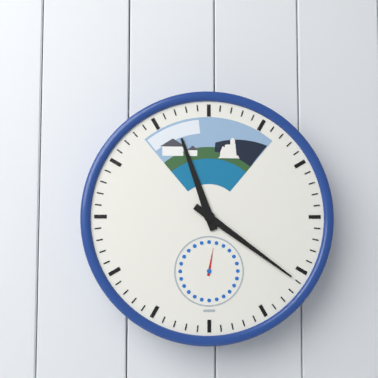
11:21
